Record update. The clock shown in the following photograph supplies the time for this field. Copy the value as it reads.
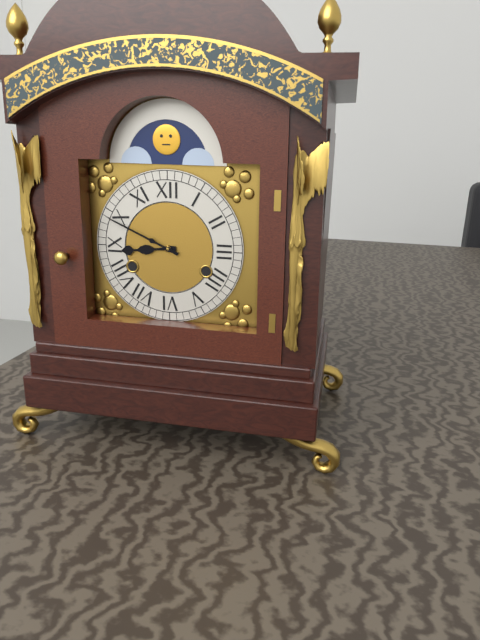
8:49
